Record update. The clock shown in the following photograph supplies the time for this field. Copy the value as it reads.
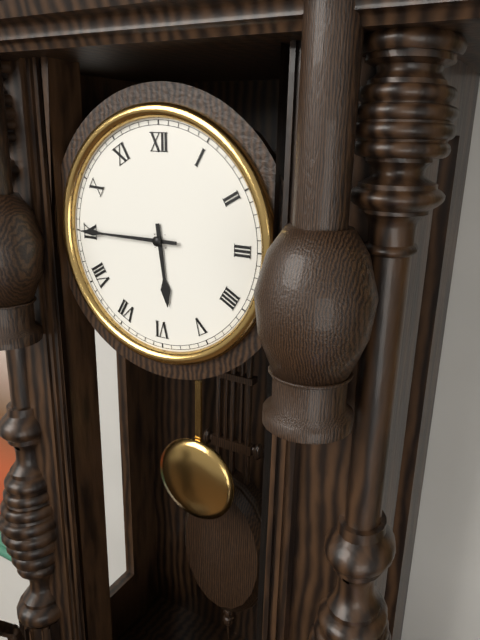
5:45
